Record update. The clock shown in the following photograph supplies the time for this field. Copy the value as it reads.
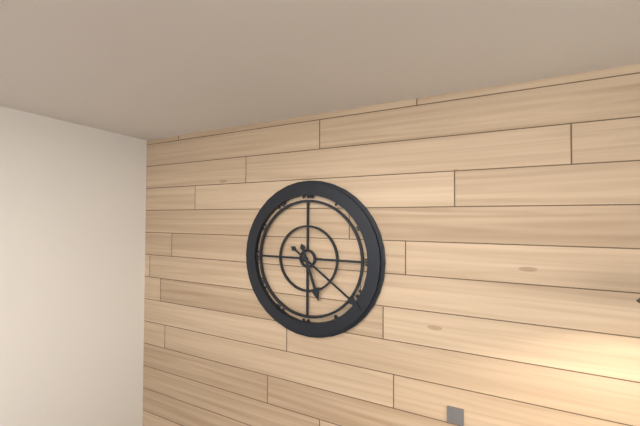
5:21
